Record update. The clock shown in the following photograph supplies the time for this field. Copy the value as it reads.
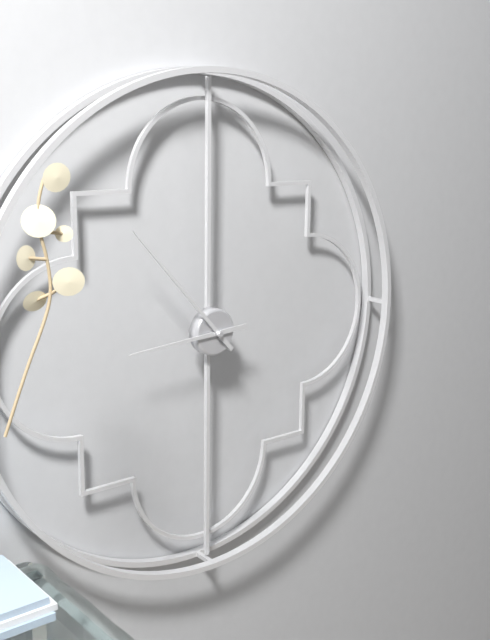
8:53
